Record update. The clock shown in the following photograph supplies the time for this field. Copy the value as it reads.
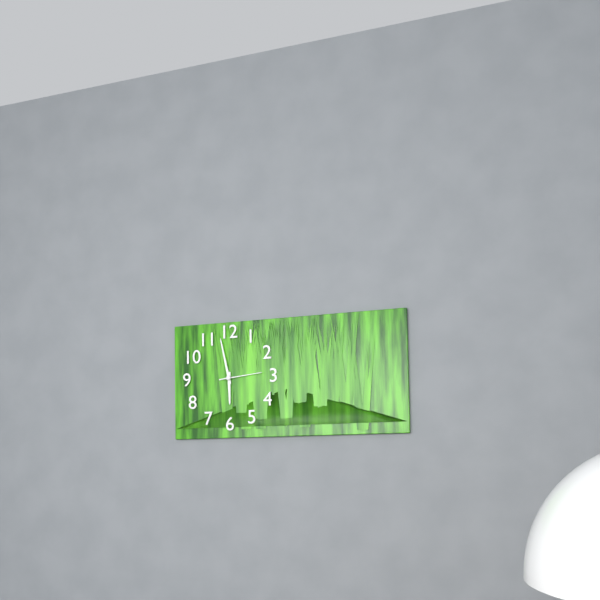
5:58
